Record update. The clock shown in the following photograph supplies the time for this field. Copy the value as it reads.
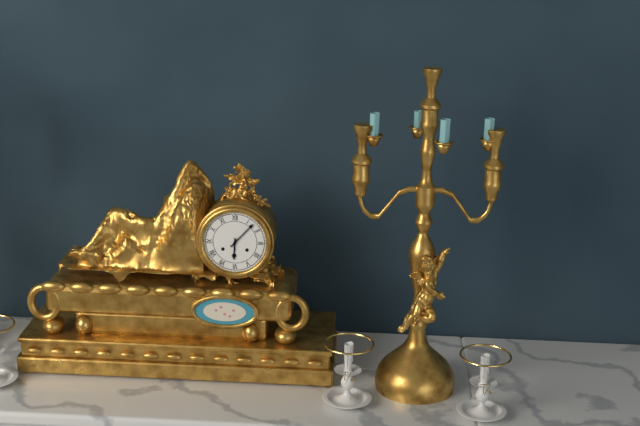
6:07
